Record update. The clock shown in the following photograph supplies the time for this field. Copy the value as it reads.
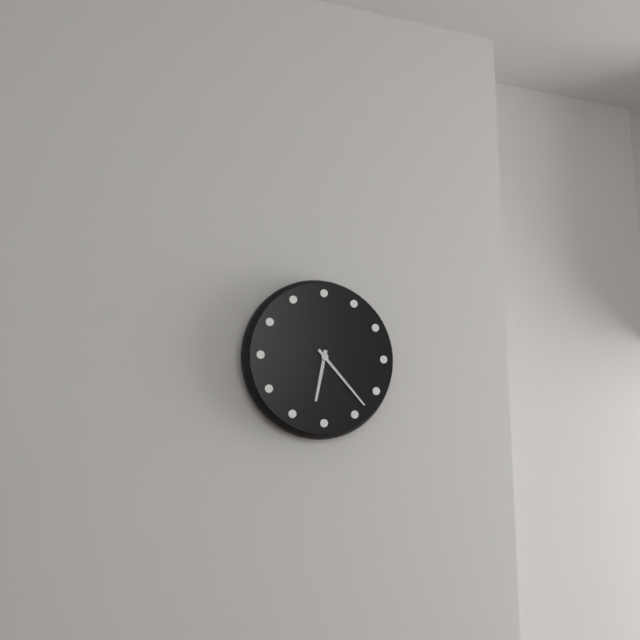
6:23
